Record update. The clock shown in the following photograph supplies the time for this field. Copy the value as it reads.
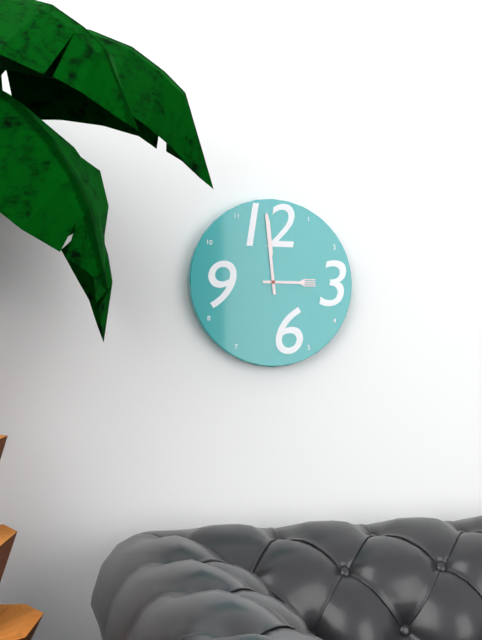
2:59
